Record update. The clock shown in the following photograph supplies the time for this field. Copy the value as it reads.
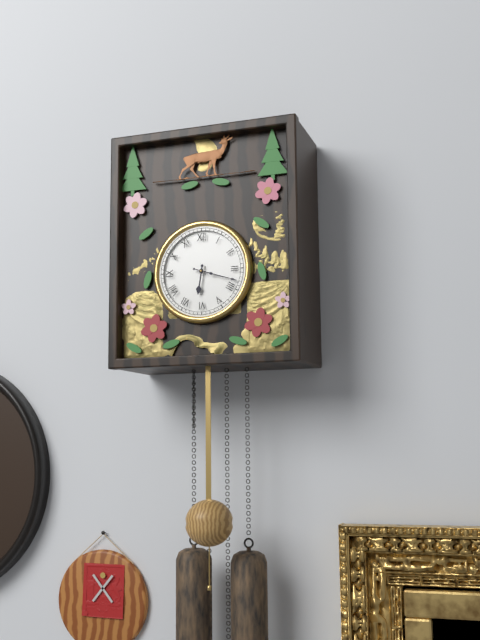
6:18
